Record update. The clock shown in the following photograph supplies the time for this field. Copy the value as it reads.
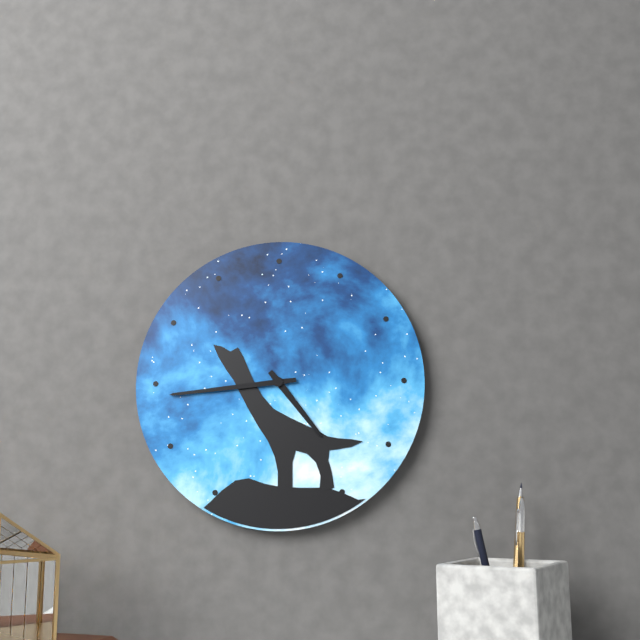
4:44
